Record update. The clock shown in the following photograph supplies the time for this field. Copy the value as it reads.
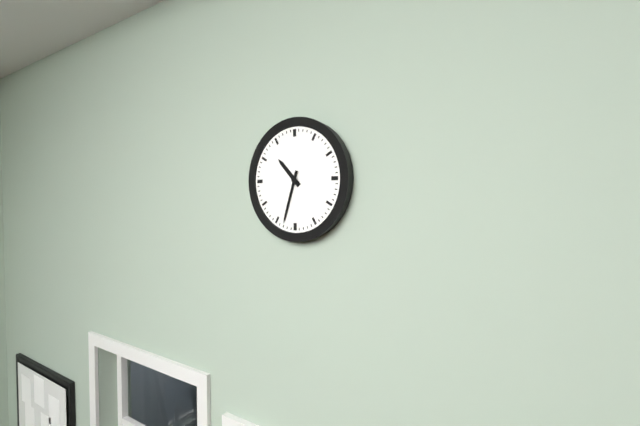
10:33
